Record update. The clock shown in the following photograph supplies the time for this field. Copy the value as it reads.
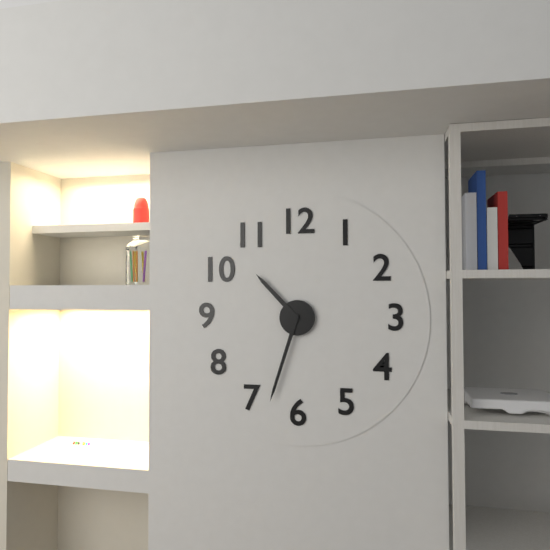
10:33
